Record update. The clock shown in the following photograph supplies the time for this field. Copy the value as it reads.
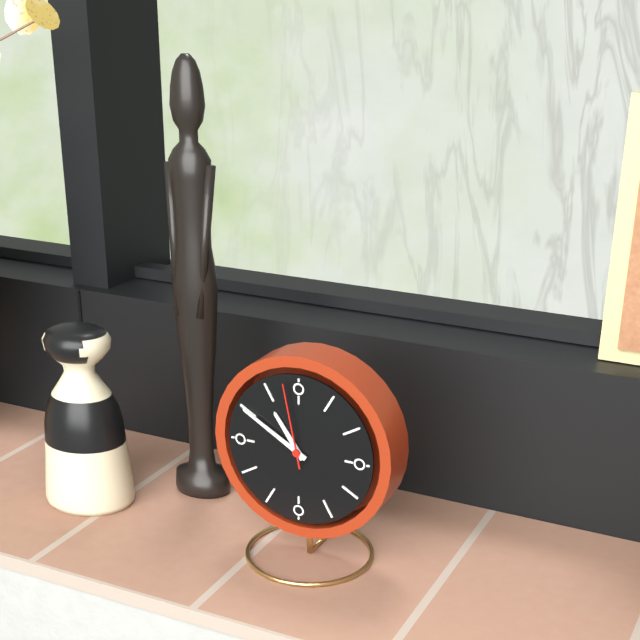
10:50:58
